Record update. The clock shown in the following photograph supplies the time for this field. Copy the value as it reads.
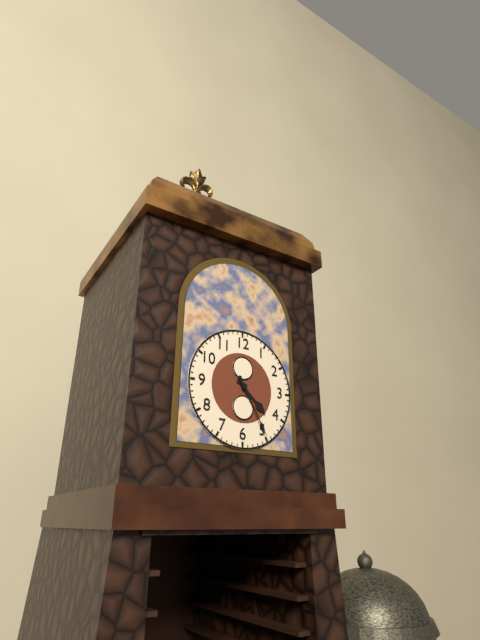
4:25
